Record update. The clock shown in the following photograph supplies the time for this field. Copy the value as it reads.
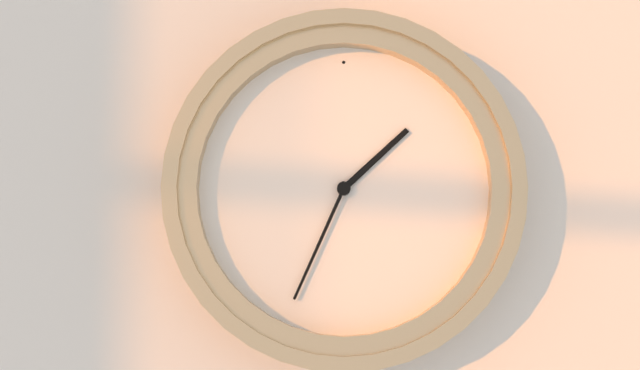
1:34
